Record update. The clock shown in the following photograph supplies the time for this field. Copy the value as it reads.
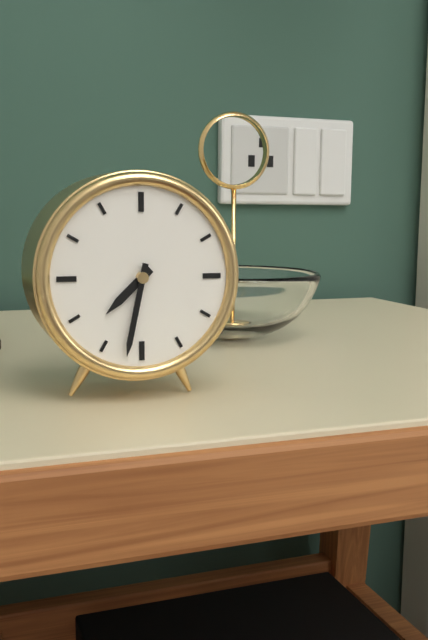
7:32
